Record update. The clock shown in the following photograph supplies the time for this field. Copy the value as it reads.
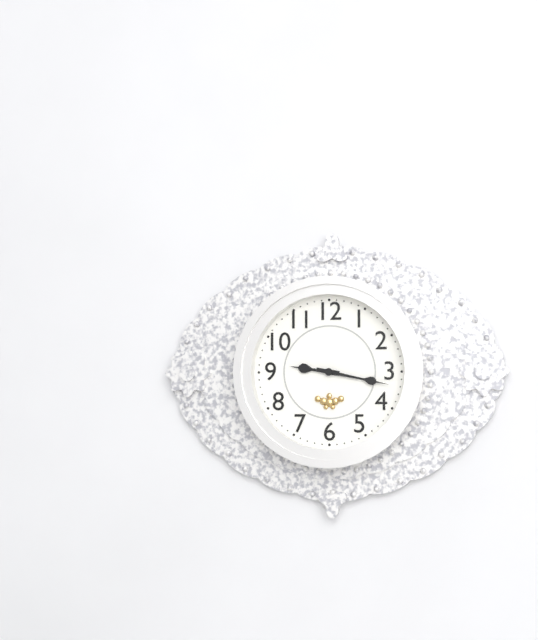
9:17
